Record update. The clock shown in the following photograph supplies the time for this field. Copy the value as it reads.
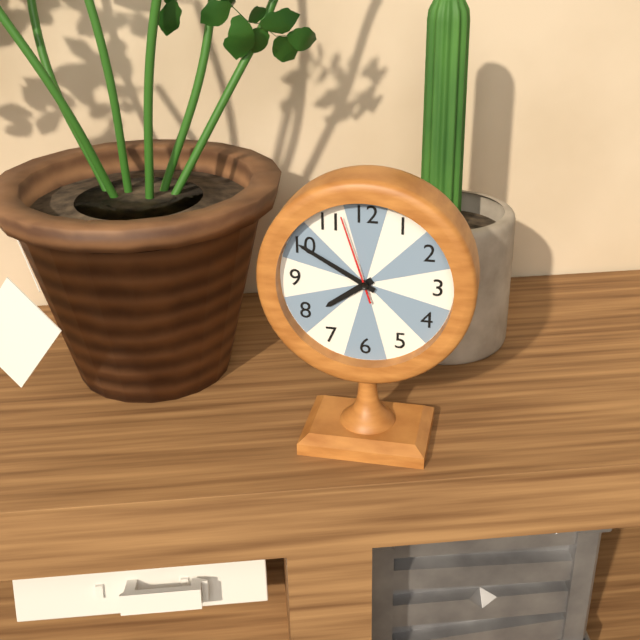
7:50:57
